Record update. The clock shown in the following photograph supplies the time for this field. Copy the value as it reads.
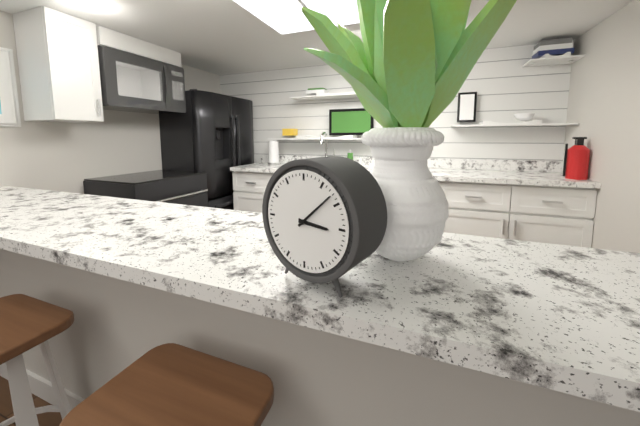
3:08
